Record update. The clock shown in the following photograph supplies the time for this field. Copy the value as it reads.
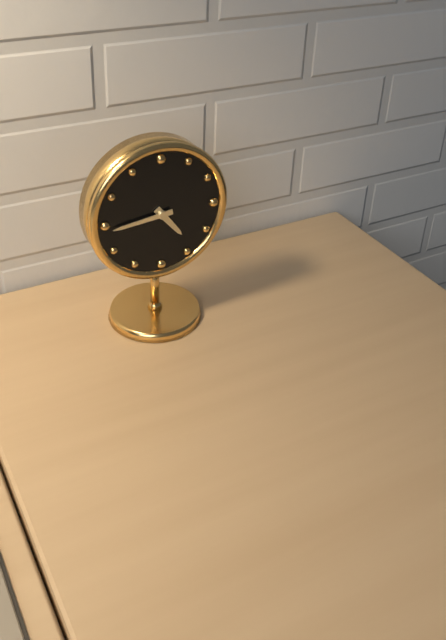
4:44
